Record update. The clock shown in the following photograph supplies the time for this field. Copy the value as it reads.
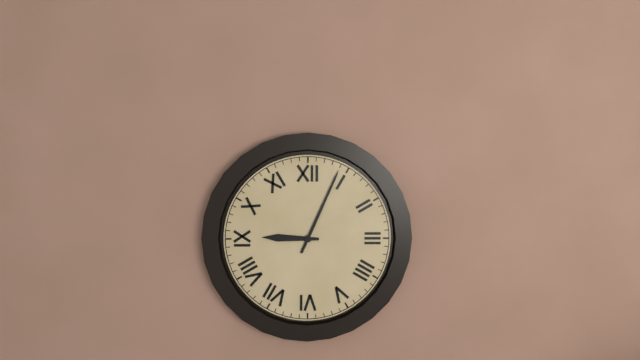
9:04
